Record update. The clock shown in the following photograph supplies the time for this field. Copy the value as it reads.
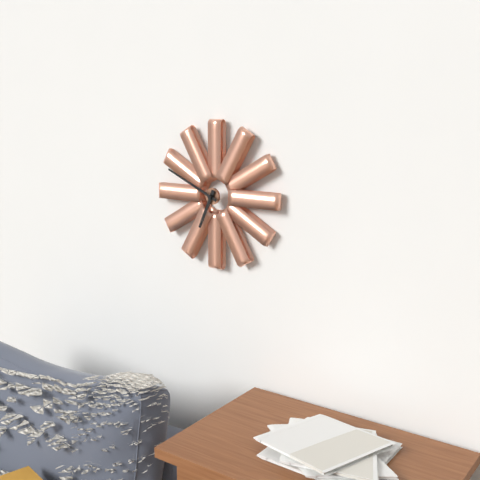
6:49
